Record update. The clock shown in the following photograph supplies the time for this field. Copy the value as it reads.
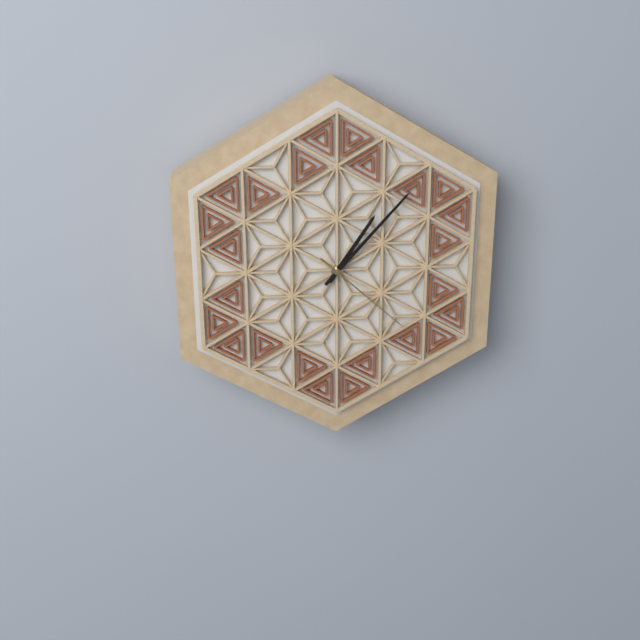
1:07:22
